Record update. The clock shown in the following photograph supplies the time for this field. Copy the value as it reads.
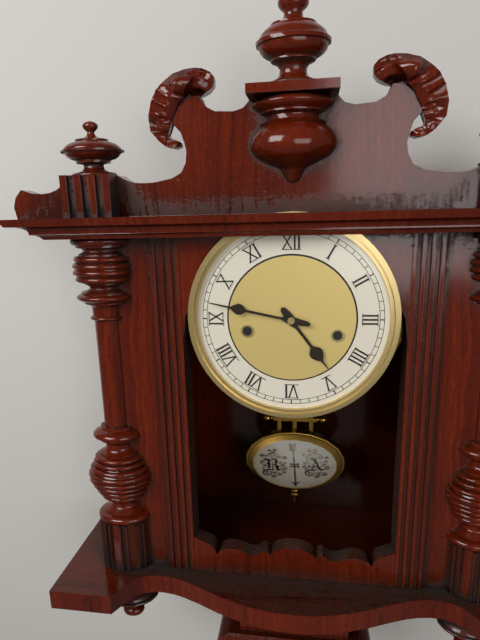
4:47
